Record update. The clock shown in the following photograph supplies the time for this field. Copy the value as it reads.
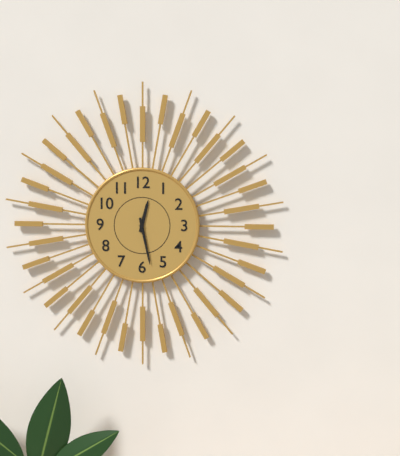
12:28
